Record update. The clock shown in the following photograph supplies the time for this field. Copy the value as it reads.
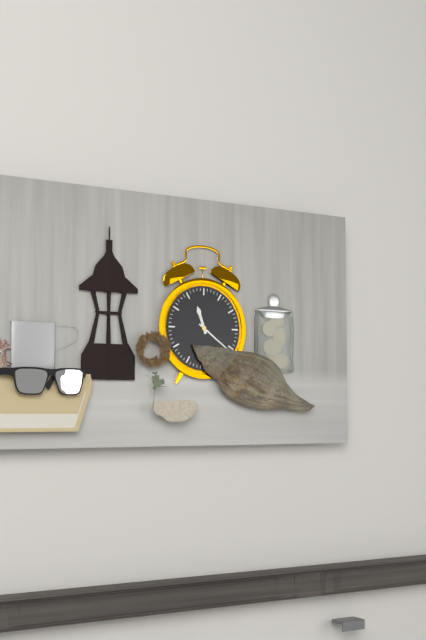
11:21
